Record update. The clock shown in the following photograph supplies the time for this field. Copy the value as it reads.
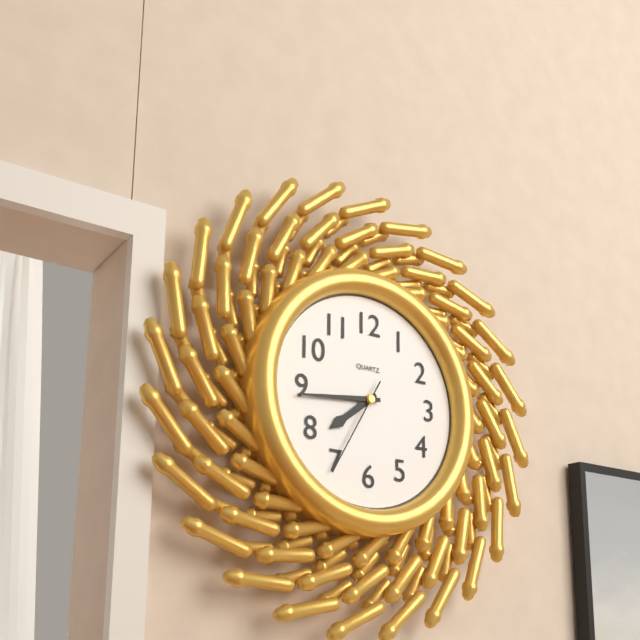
7:44:35
